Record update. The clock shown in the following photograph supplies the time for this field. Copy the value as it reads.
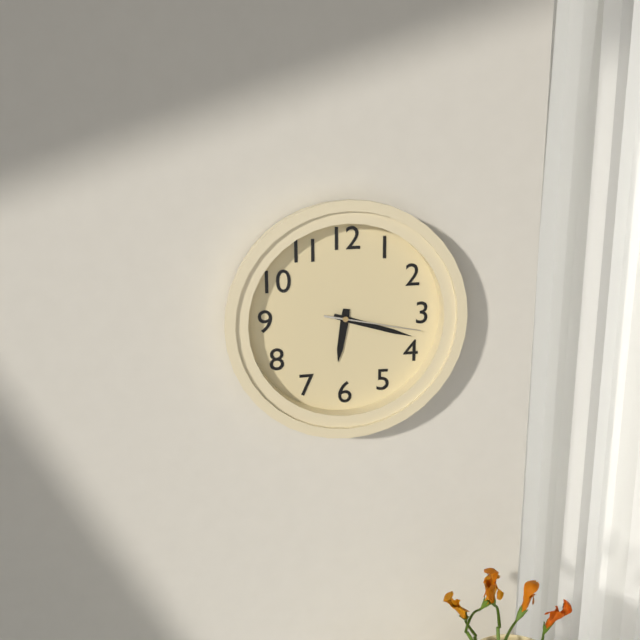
6:18:17
